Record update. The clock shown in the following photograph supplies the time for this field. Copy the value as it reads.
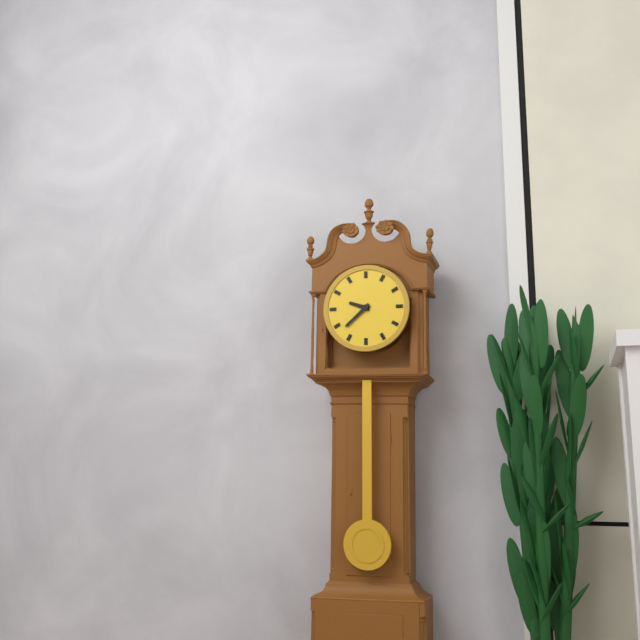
9:38
